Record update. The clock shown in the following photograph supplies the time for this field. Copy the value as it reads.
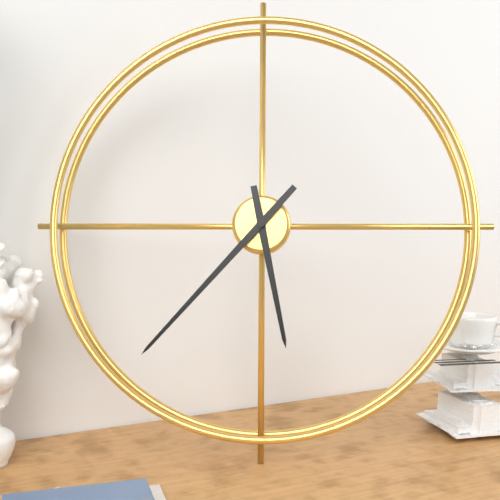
5:37
